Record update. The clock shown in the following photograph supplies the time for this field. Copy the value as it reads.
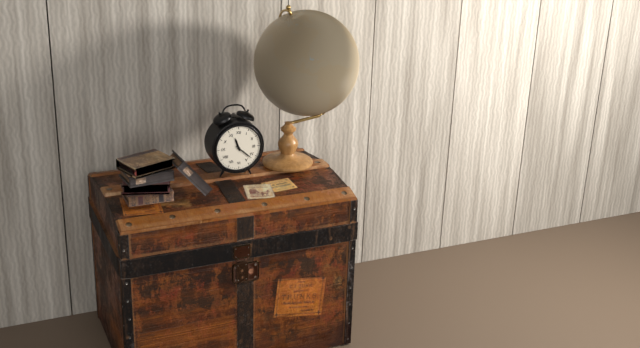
11:22
